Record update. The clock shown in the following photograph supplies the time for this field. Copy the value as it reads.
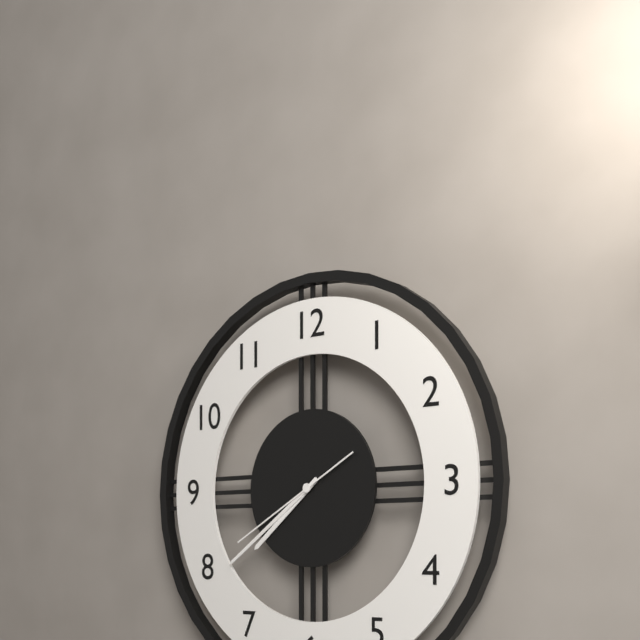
7:39:40
